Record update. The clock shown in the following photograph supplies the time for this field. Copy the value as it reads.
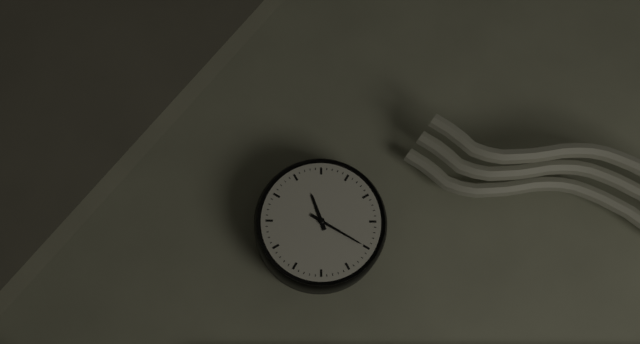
11:20
